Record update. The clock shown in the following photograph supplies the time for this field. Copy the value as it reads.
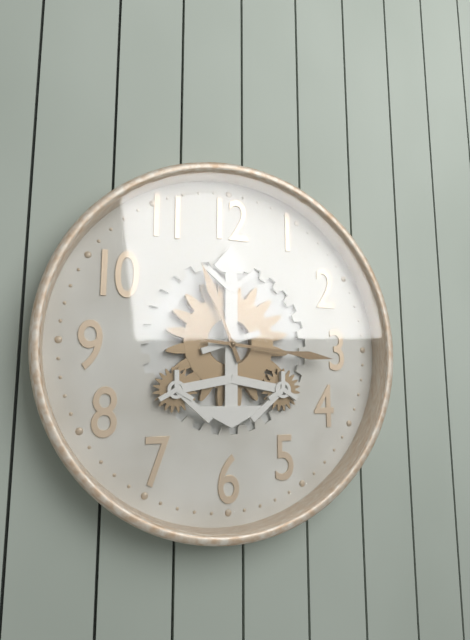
11:16
